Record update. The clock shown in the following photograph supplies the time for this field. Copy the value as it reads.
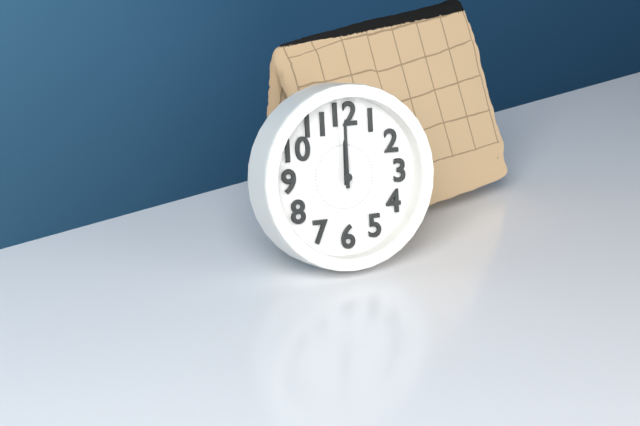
12:00
